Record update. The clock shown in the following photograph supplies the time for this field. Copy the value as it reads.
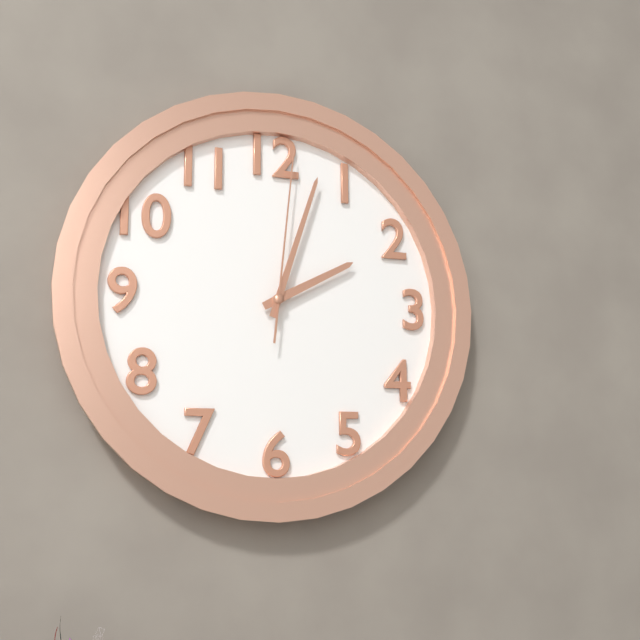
2:03:01
